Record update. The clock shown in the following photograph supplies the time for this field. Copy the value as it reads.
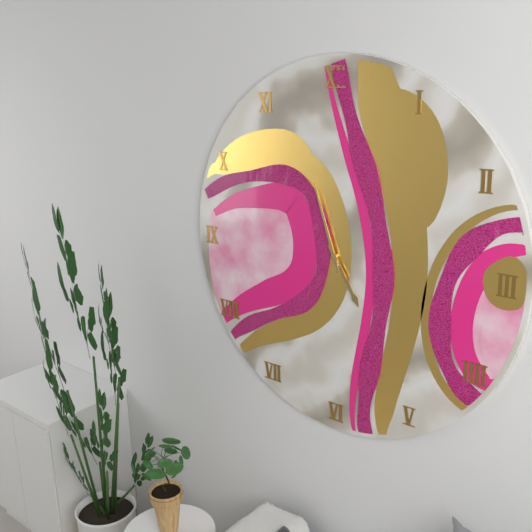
4:57
